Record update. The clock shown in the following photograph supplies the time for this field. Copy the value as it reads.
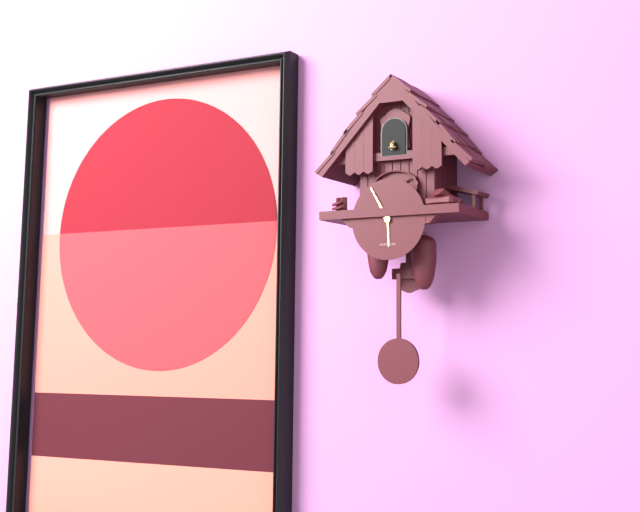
5:55
